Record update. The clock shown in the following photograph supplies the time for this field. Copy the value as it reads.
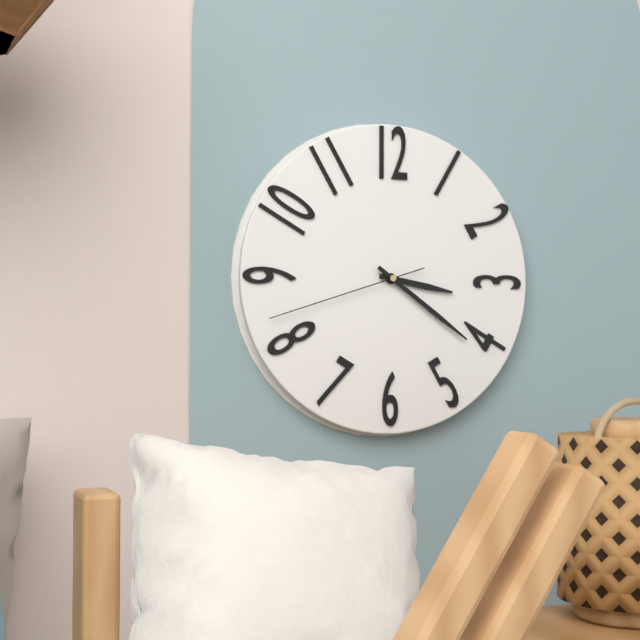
3:21:42
